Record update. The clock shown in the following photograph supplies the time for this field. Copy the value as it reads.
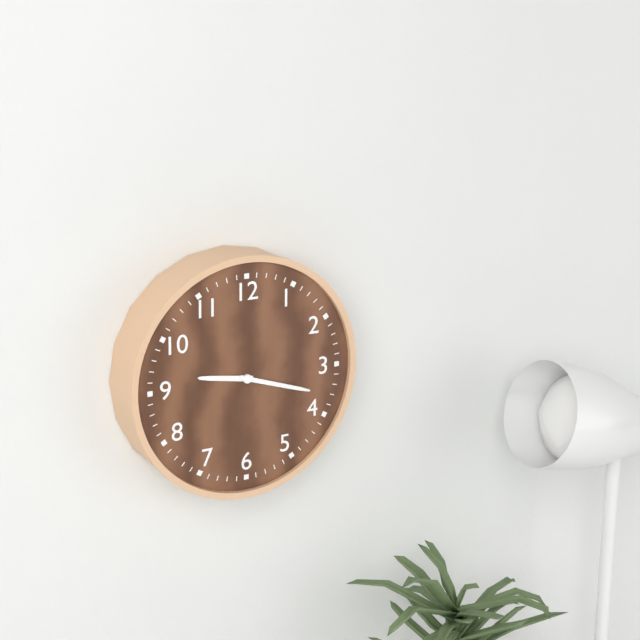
9:18
